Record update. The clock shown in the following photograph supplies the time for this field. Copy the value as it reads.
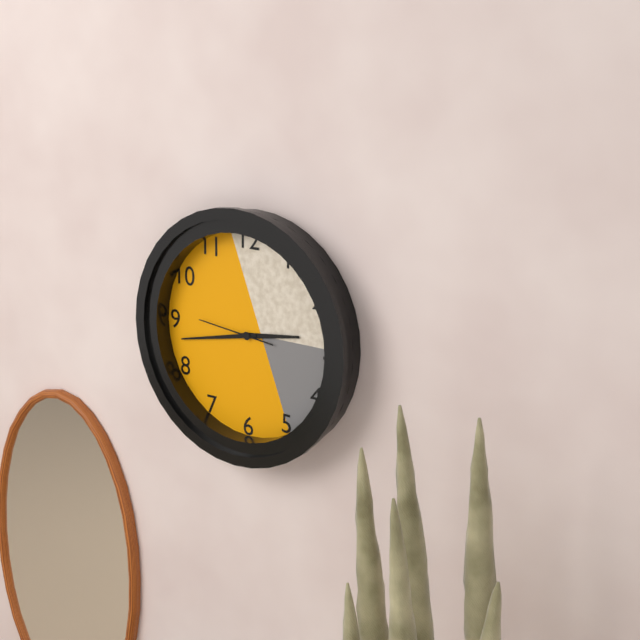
2:43:46
